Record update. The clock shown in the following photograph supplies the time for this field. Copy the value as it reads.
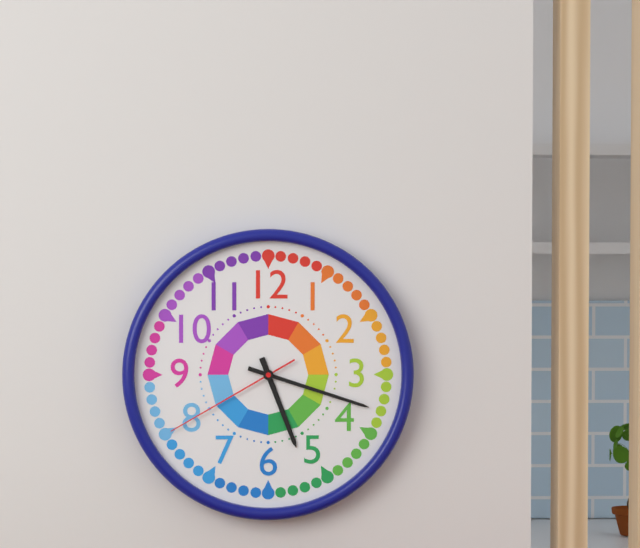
5:18:40
